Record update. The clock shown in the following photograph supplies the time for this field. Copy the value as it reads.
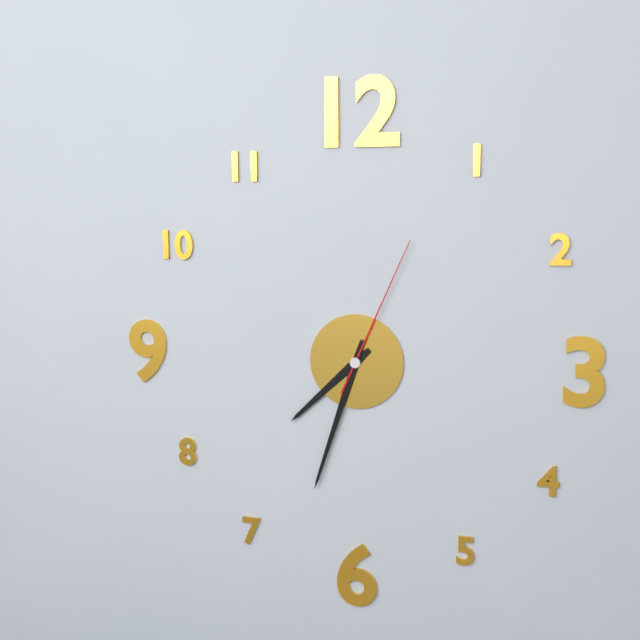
7:33:04
